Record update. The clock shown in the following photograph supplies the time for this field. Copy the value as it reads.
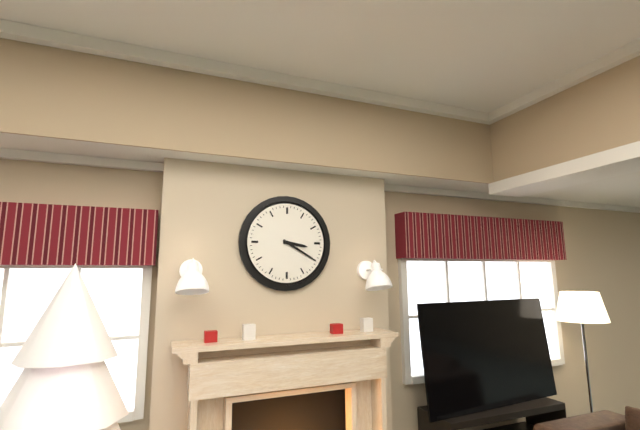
3:20
